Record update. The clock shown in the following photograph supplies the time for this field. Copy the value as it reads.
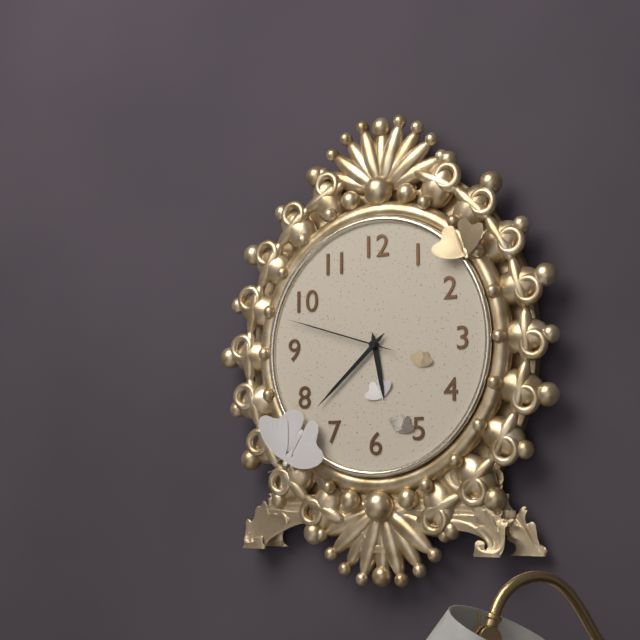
5:38:48
